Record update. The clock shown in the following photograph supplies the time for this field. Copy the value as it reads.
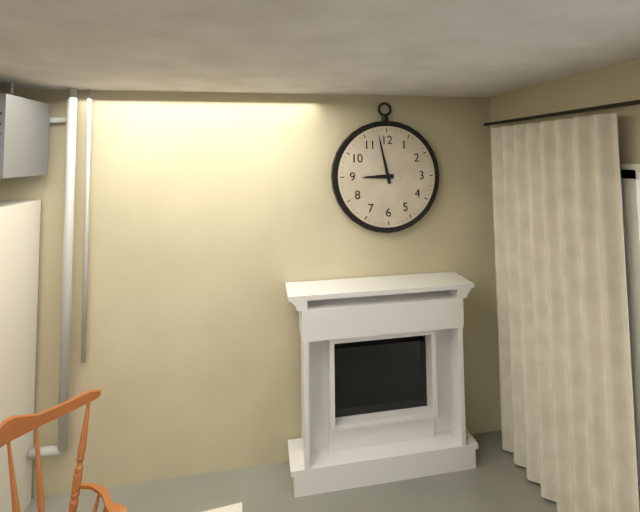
8:58
